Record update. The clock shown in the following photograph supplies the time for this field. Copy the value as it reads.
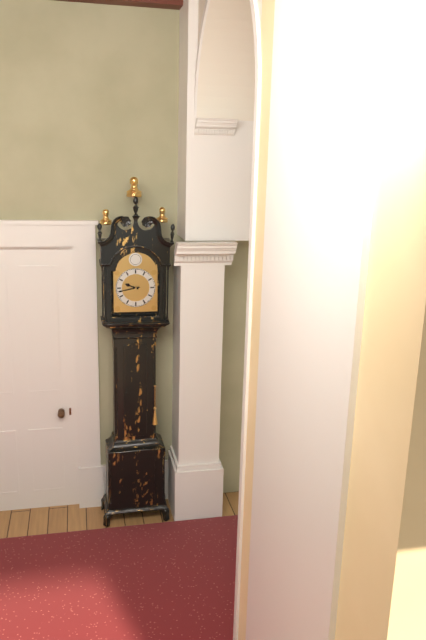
9:43
